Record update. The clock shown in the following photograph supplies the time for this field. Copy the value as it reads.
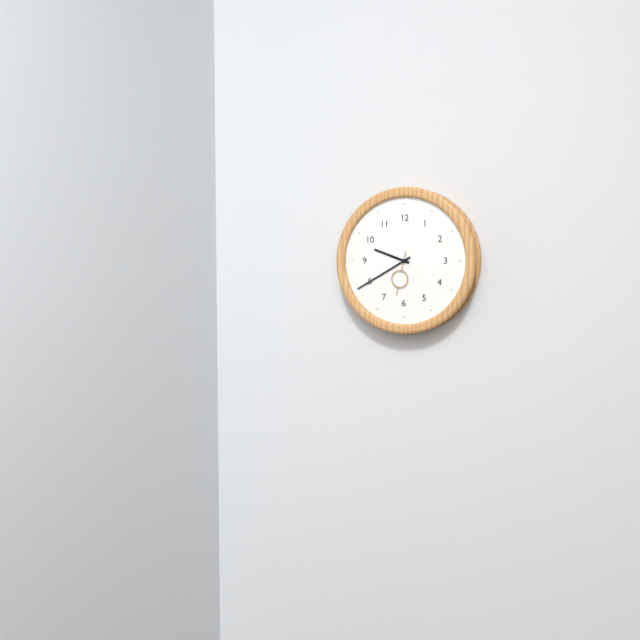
9:40
